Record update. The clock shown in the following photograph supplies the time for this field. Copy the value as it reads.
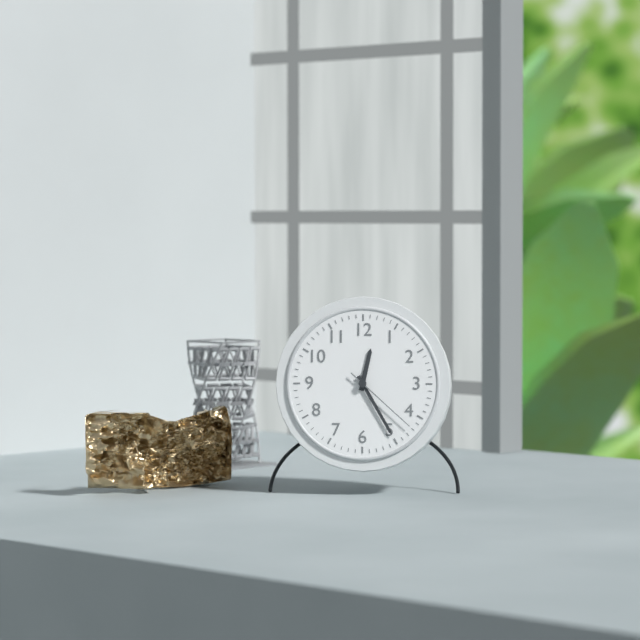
12:25:22
